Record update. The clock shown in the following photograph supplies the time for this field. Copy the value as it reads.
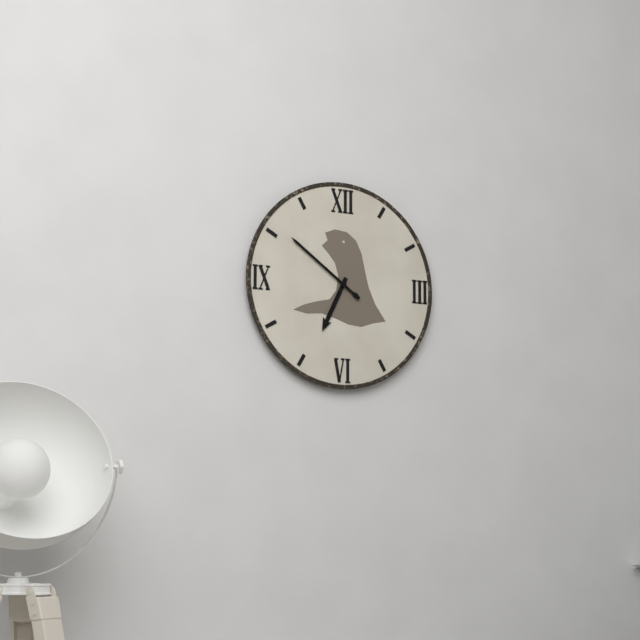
6:51
